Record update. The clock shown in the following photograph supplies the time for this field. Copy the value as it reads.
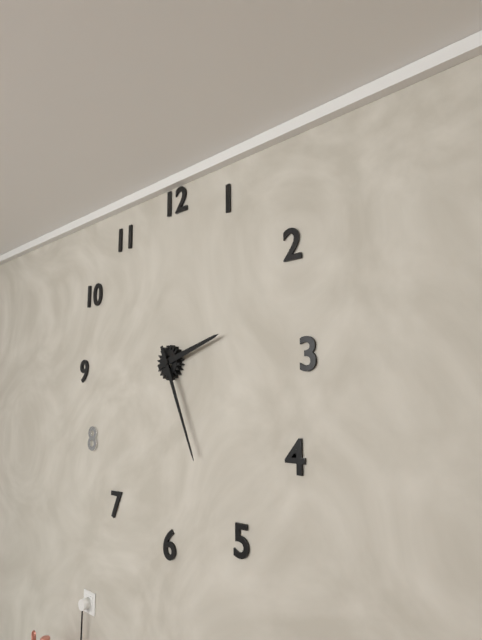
2:26
